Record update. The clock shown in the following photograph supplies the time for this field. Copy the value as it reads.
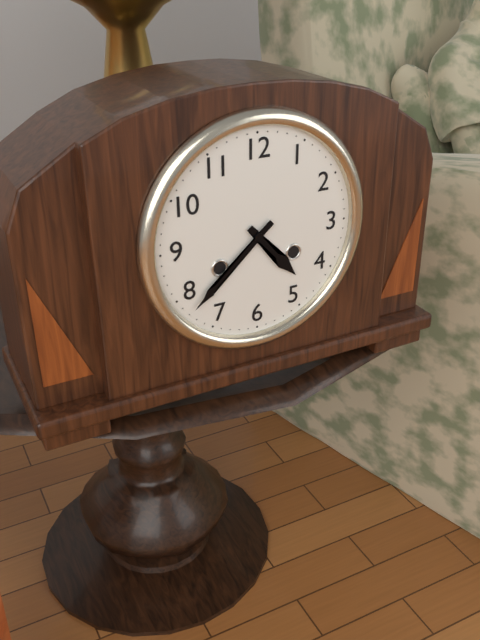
4:38
